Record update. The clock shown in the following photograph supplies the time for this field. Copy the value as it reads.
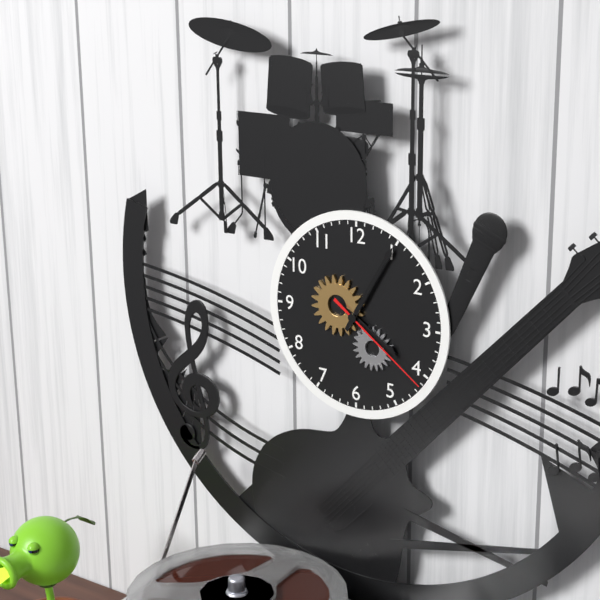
4:05:21
